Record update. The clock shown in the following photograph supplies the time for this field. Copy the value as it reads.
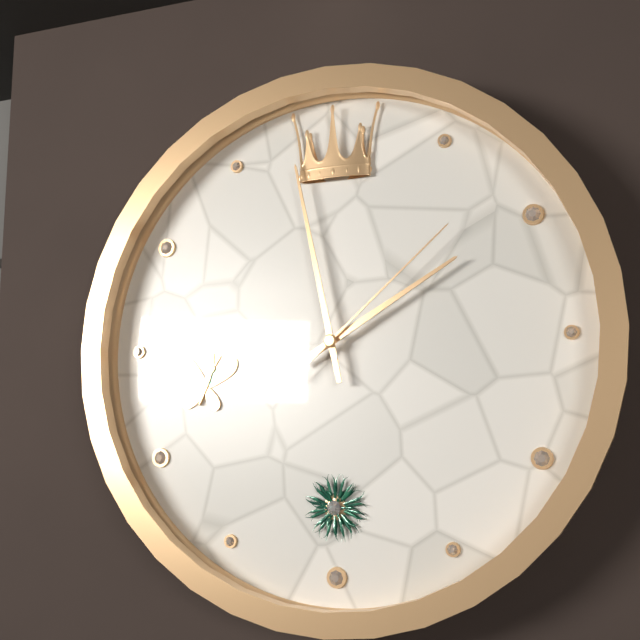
1:58:08
